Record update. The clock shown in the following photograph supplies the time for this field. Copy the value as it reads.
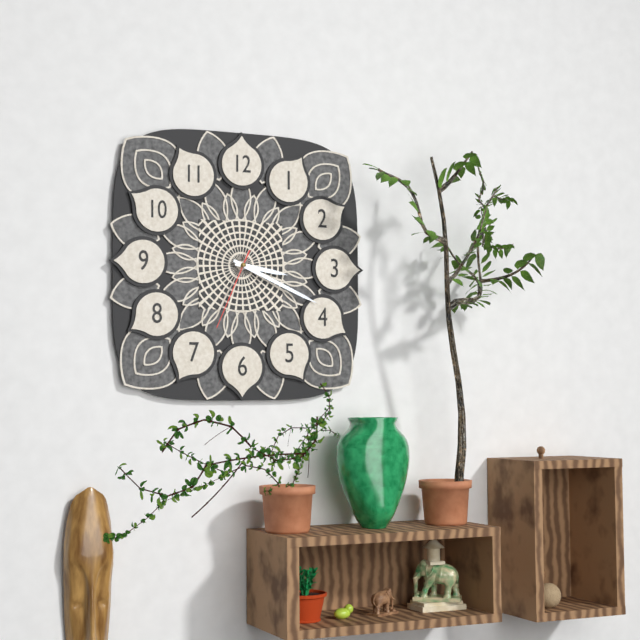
3:19:34
